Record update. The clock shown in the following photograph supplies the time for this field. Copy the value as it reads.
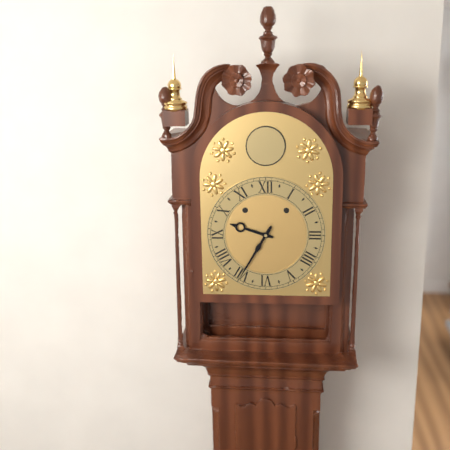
9:35
